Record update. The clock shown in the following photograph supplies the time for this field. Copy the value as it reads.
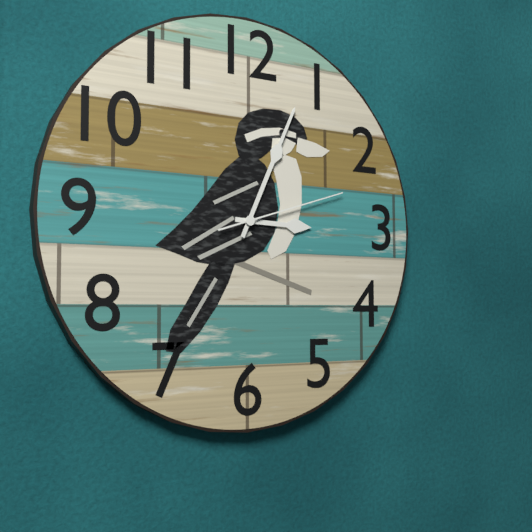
3:04:12
